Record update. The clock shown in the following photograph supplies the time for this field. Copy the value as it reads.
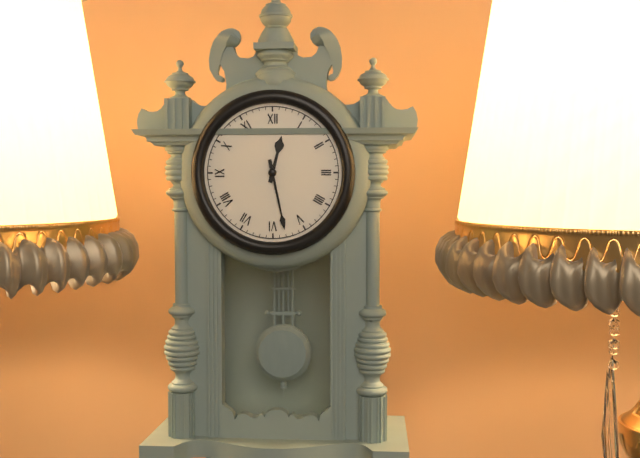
12:28
